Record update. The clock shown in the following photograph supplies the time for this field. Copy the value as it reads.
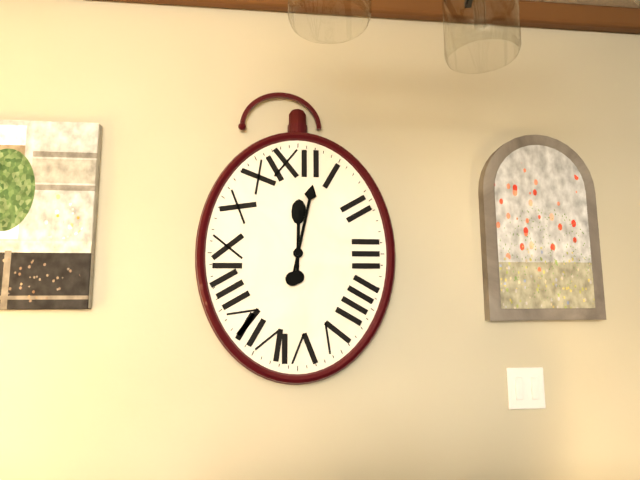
12:02
